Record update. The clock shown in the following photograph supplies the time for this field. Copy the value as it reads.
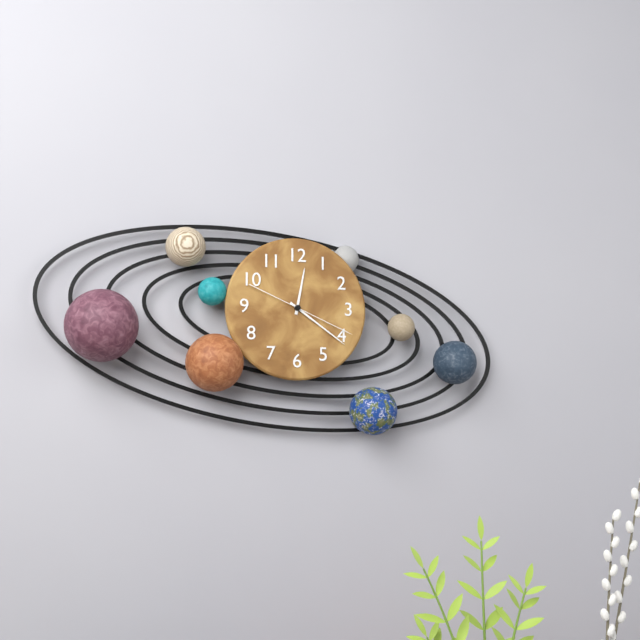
12:21:19
